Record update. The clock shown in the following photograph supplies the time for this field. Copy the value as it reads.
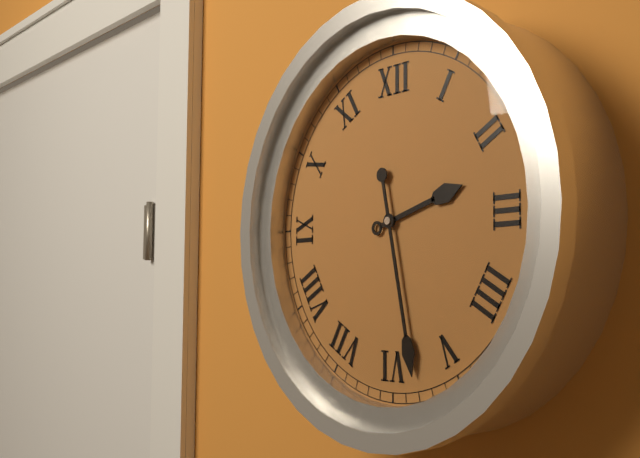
2:28
